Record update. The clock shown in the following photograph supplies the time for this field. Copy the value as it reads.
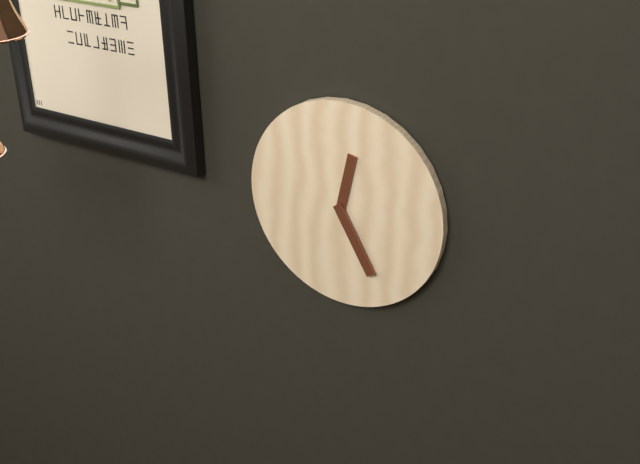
12:25
